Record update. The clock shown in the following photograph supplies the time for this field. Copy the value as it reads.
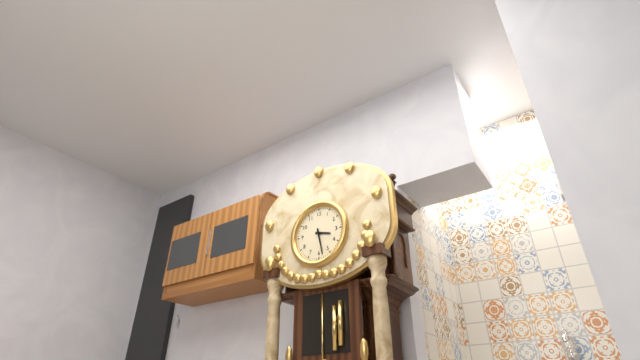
3:28
